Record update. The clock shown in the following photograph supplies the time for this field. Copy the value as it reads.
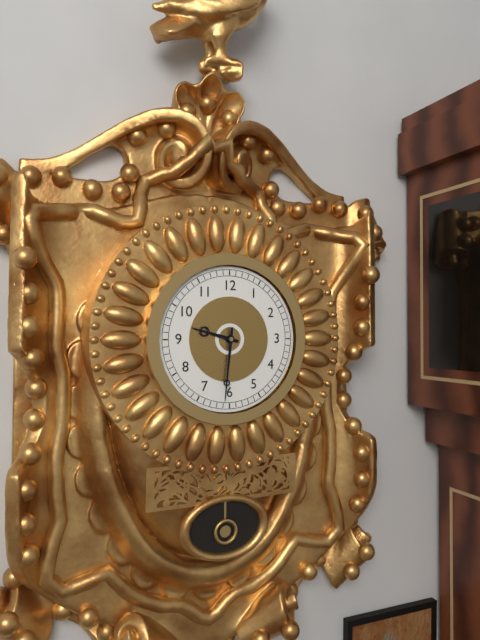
9:31
